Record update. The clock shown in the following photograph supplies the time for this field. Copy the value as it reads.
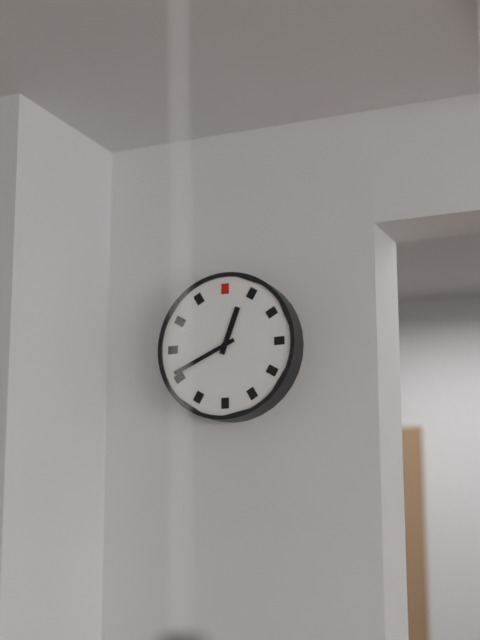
12:41
